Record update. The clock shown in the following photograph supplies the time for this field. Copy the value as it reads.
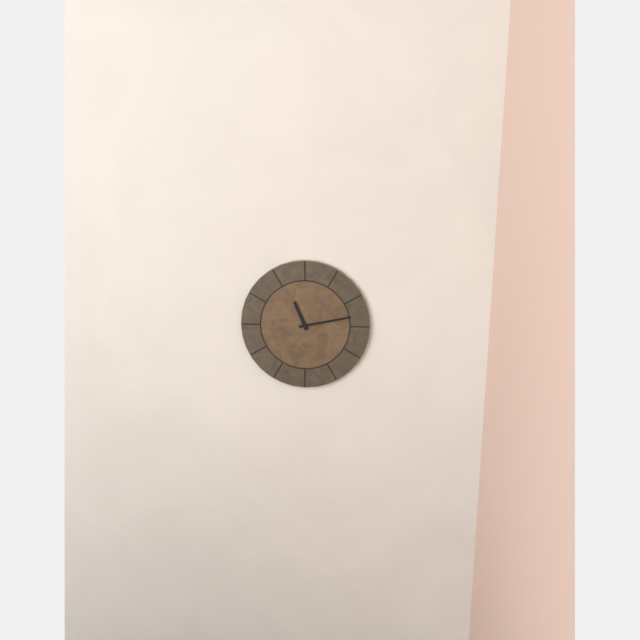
11:13
